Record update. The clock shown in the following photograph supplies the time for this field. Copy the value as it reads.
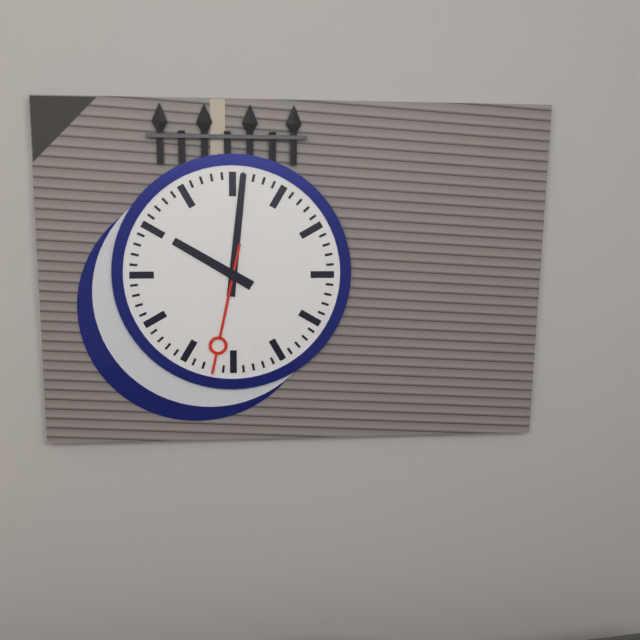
10:01:32
